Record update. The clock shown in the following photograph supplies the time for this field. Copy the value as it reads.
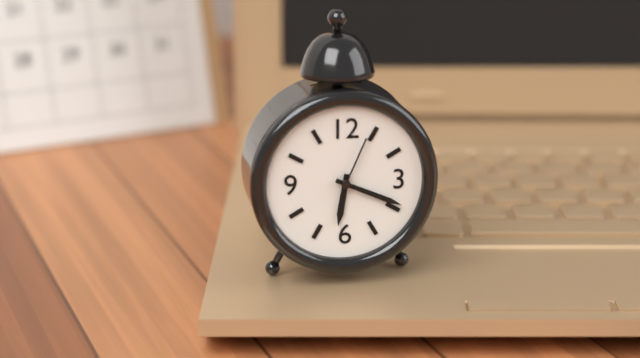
6:19:04
